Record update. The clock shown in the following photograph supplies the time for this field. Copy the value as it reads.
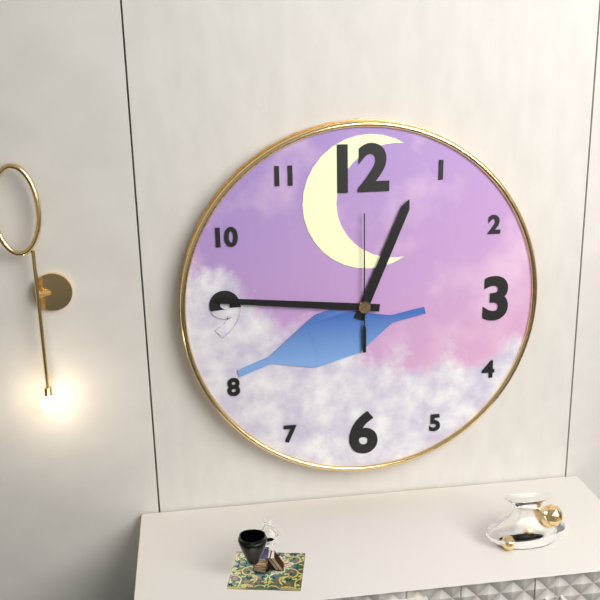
12:46:00
